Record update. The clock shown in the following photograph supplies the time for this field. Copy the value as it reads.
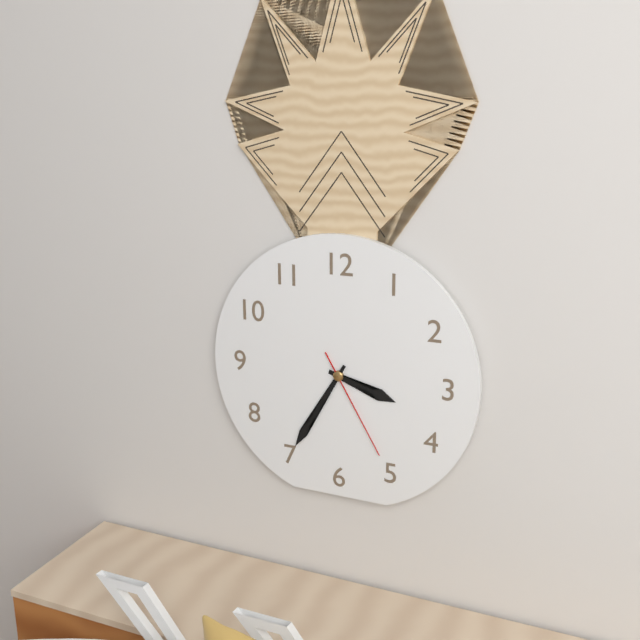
3:35:25
